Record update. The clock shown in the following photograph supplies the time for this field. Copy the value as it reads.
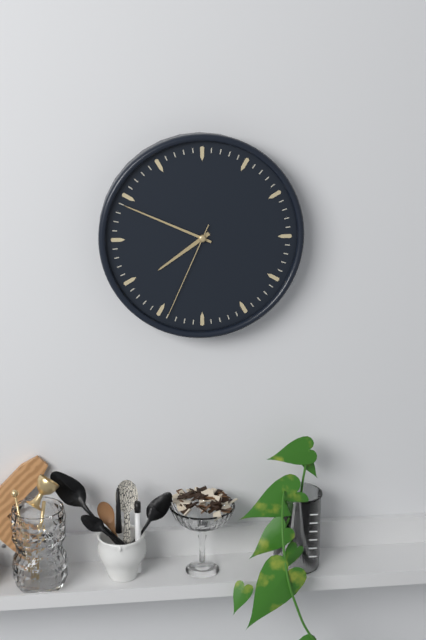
7:49:34
